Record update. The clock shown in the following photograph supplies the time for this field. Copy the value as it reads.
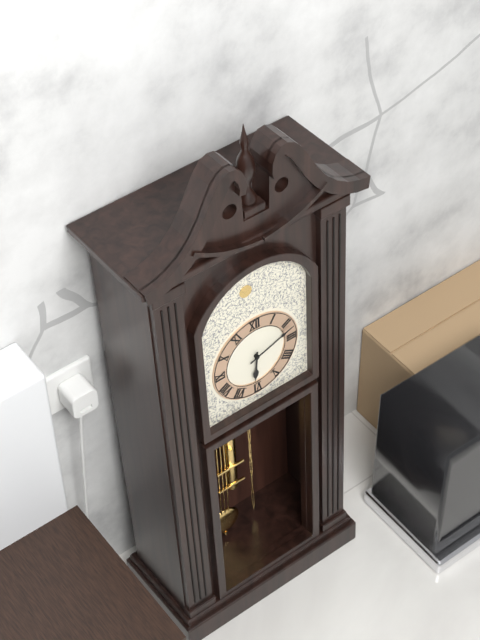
6:12
